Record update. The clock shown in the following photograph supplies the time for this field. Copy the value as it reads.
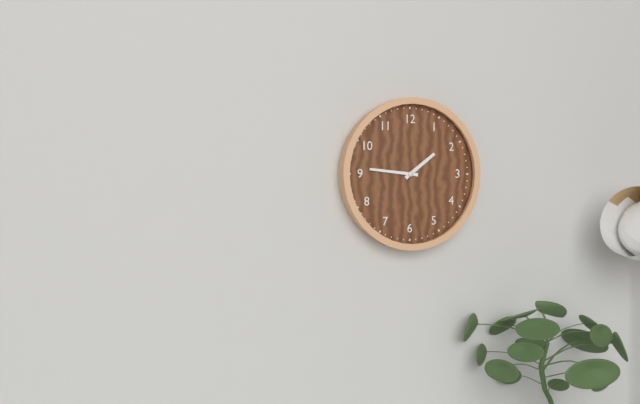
1:46
